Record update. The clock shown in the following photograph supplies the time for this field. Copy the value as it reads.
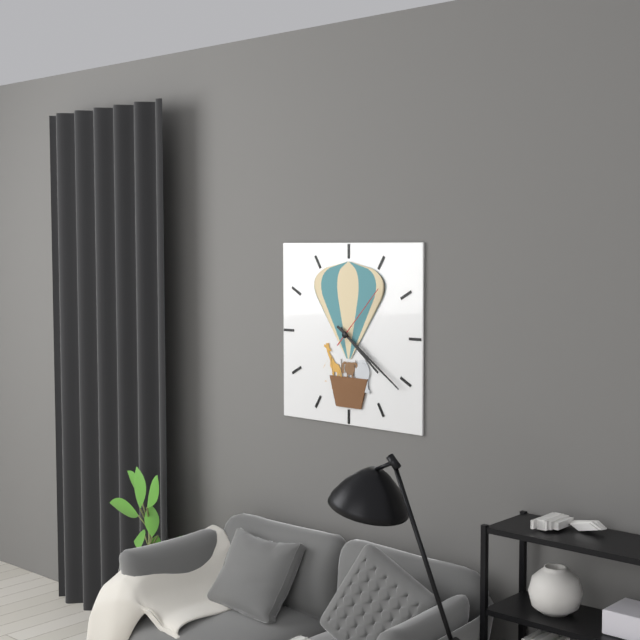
4:21:07
